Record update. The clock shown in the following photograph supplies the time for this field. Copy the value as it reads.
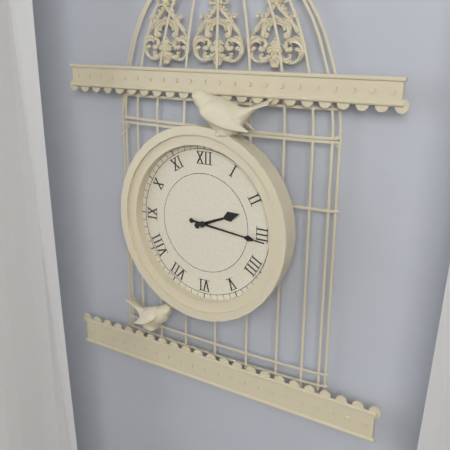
2:16
